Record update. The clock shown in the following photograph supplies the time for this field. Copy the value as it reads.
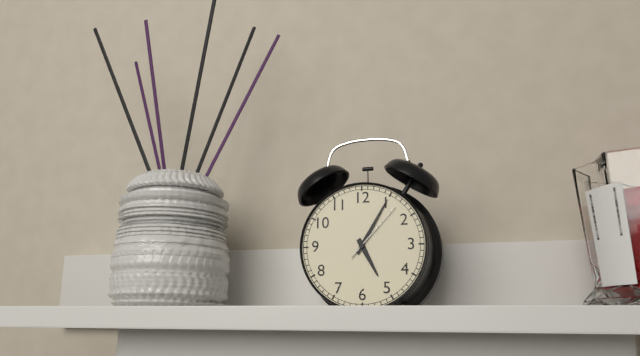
5:05:07
